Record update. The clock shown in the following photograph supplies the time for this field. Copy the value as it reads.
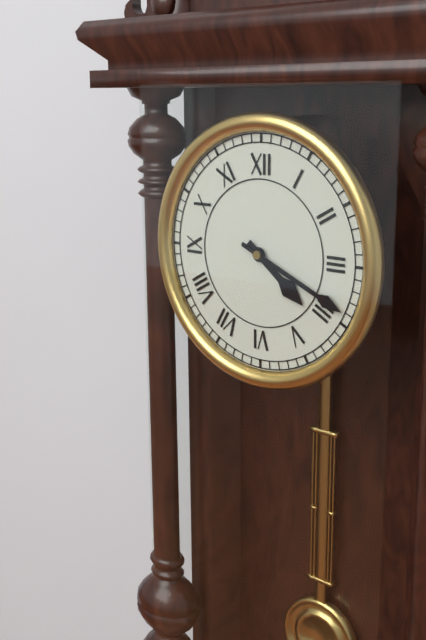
4:19
